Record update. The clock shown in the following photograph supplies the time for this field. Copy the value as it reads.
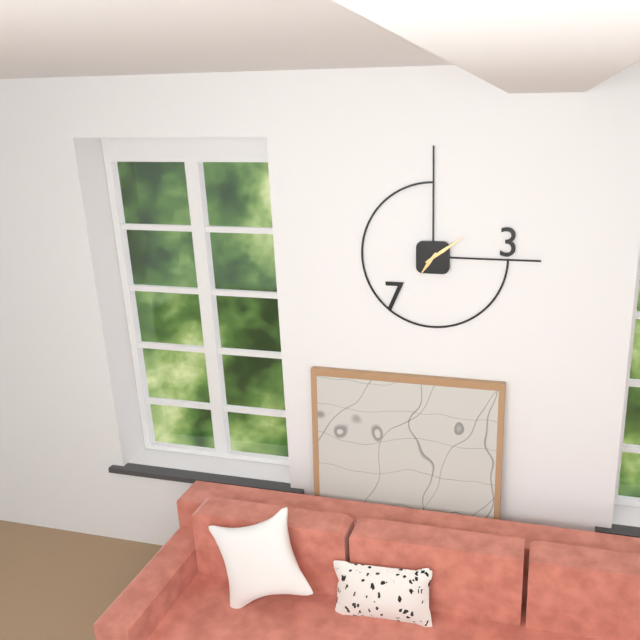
7:09
